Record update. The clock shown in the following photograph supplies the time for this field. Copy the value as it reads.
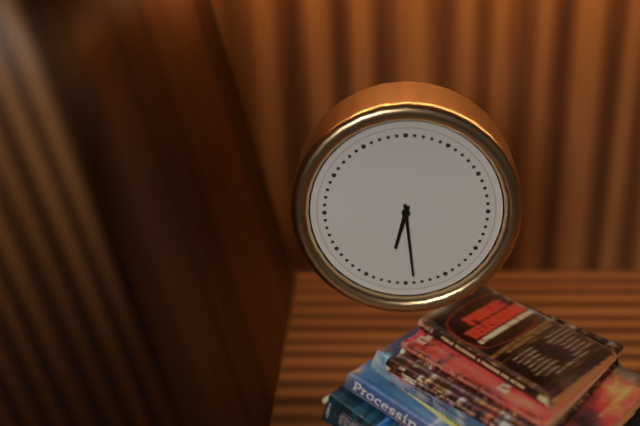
6:29
